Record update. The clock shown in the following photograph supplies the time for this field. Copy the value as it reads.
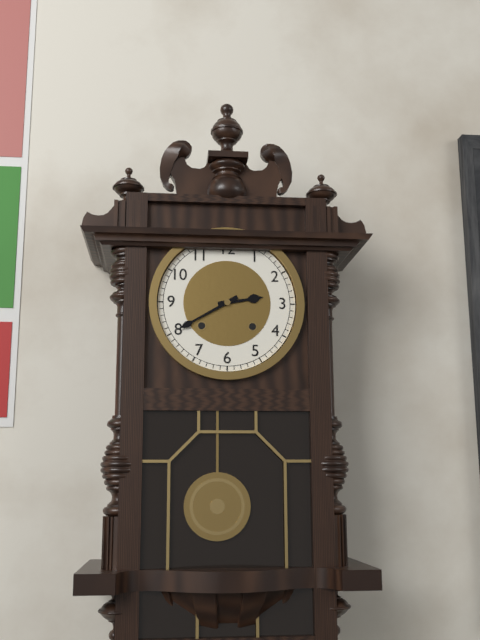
2:40
